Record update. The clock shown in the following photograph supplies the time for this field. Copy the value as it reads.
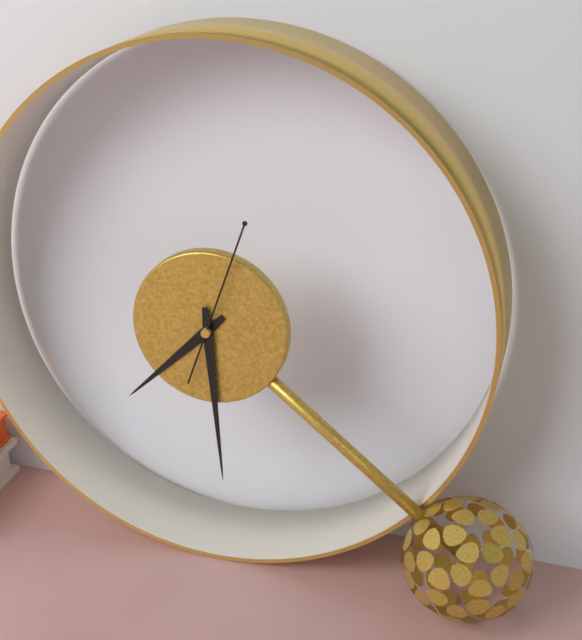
7:29:03
